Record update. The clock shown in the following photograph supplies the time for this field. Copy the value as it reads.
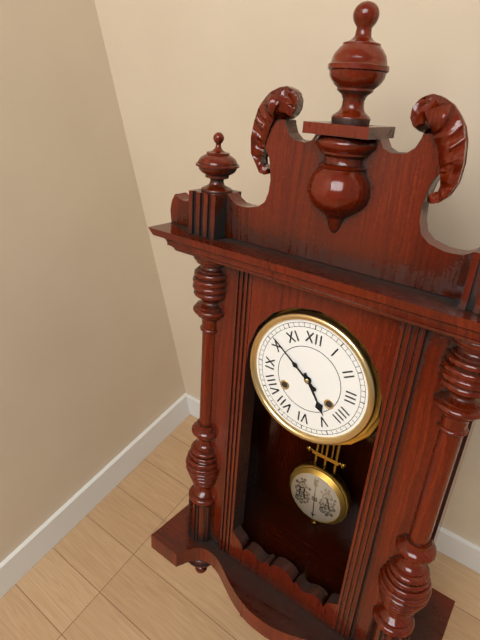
4:51
